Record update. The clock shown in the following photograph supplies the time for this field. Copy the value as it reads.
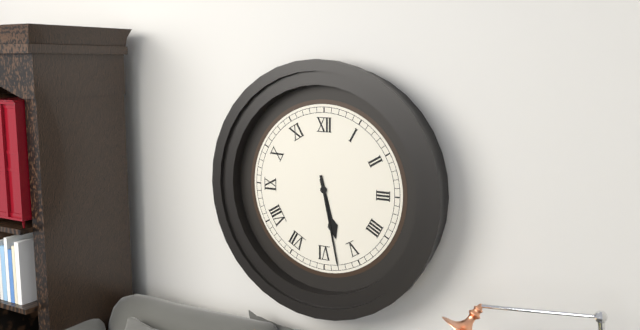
5:28
